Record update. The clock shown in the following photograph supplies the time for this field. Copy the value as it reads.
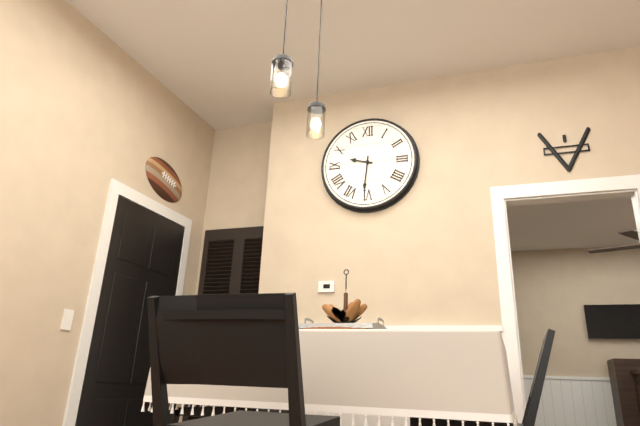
9:31
